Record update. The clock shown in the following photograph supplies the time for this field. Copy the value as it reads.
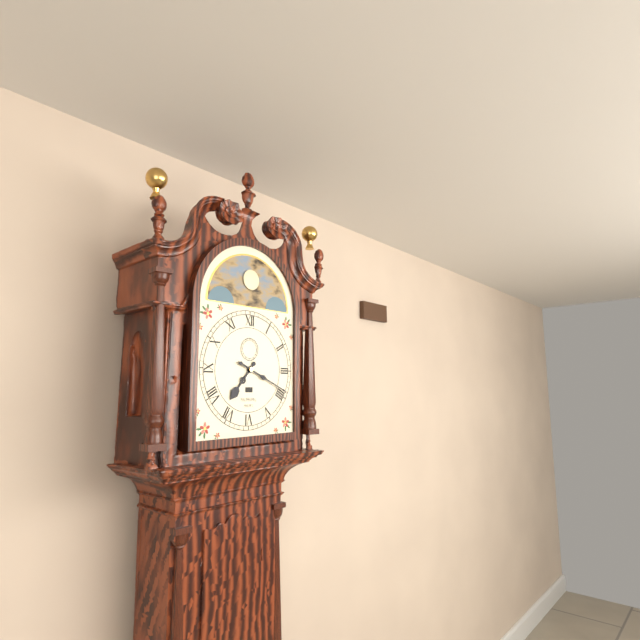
7:19
